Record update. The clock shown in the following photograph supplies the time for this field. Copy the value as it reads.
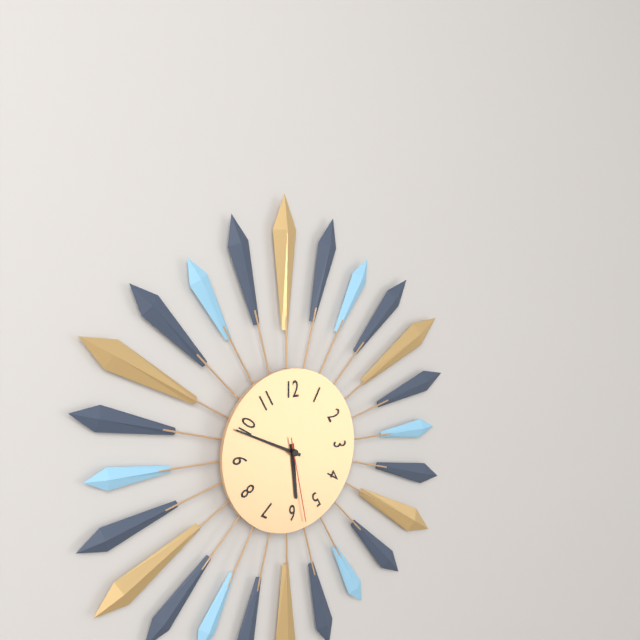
5:49:28
